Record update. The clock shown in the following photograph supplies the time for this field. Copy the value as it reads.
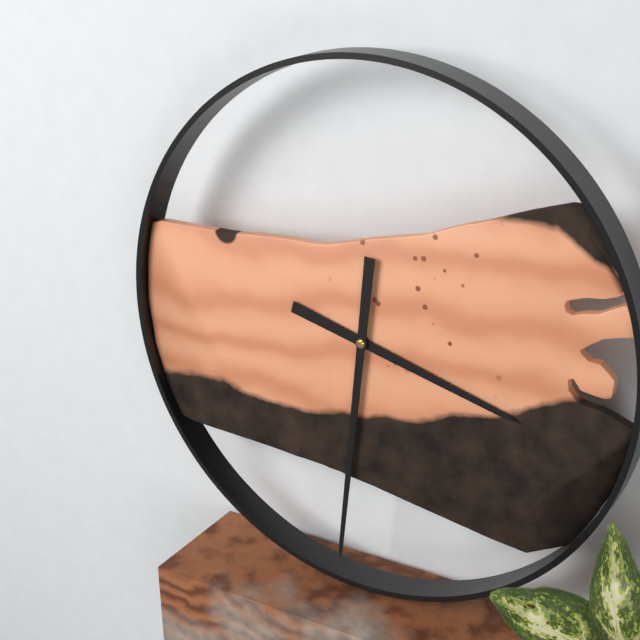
3:31
